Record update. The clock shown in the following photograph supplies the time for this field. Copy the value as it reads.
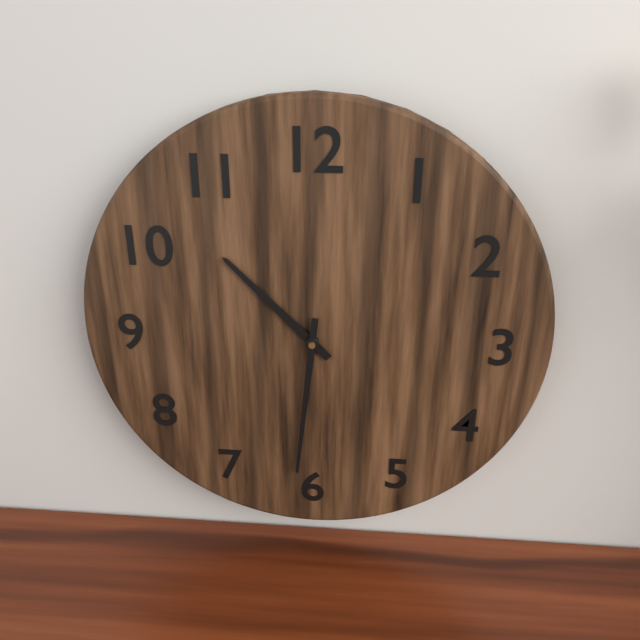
10:31
